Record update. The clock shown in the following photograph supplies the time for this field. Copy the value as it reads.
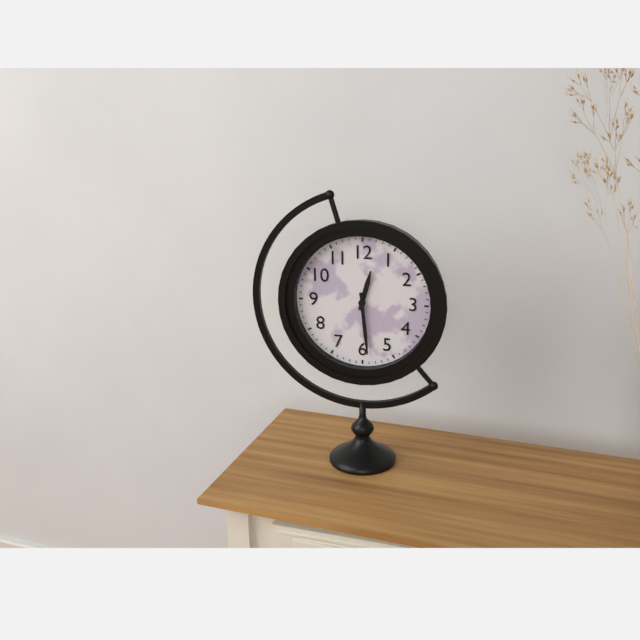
12:29
